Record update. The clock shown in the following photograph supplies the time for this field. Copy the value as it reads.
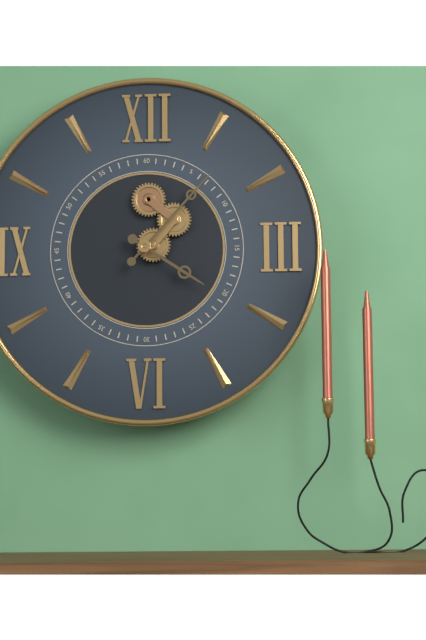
4:07
